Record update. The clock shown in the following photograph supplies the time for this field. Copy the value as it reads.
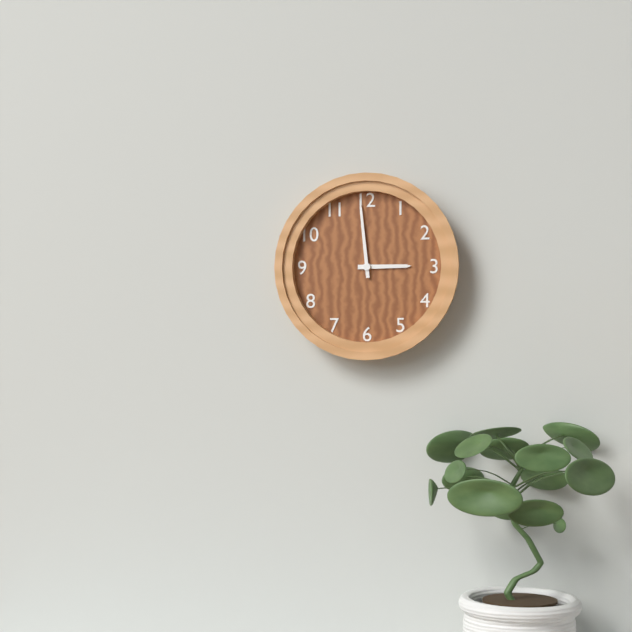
2:59
